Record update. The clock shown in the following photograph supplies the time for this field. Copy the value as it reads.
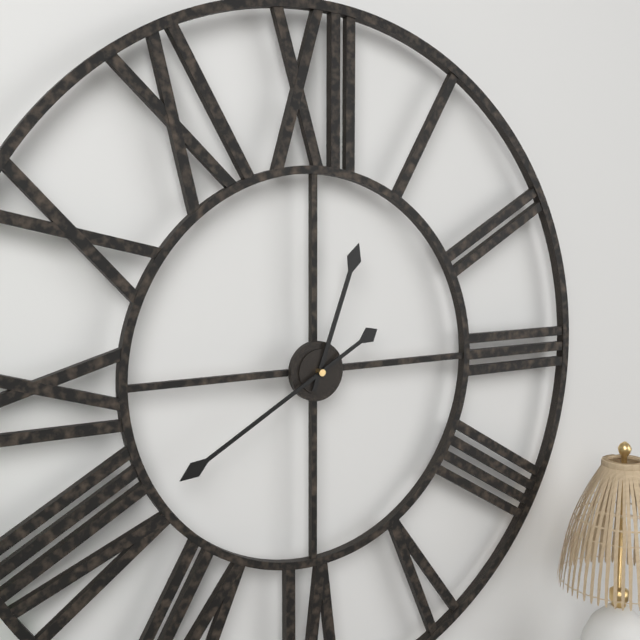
12:40
